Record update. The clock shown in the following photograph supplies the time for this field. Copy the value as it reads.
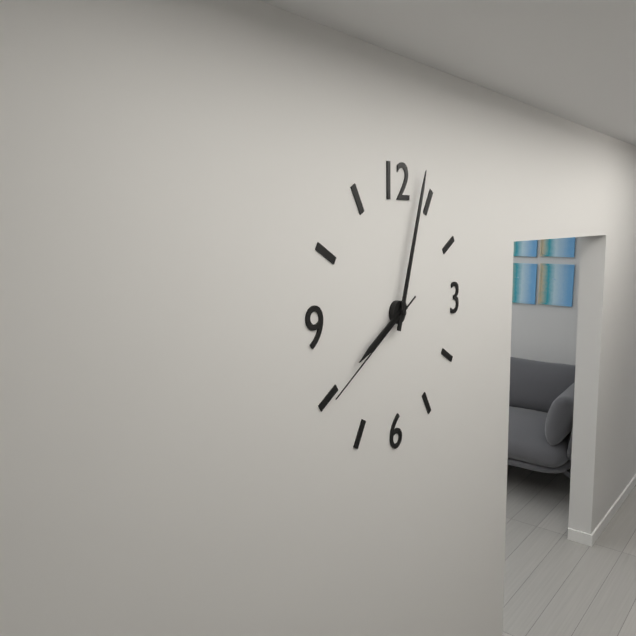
8:03:40
